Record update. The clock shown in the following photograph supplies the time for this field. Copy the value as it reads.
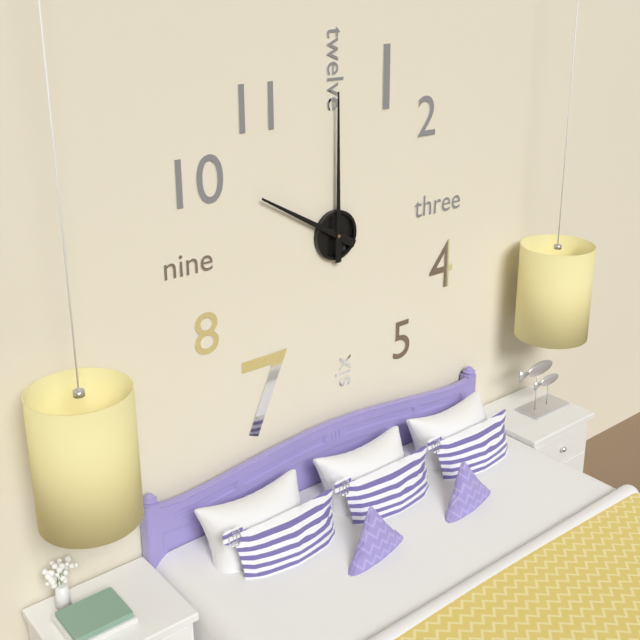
10:00
